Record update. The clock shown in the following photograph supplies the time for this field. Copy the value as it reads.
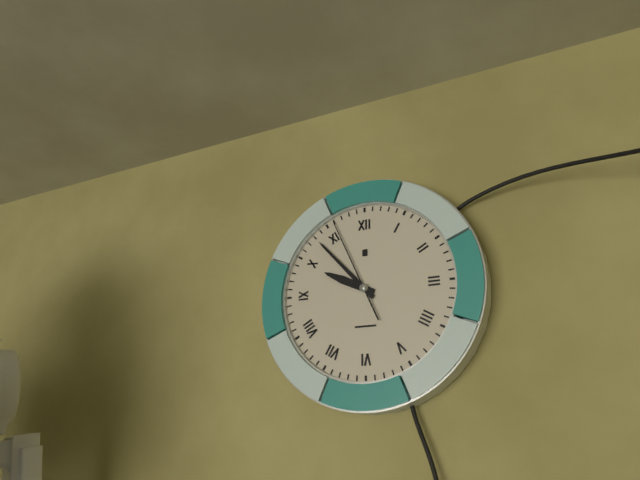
9:53:56
